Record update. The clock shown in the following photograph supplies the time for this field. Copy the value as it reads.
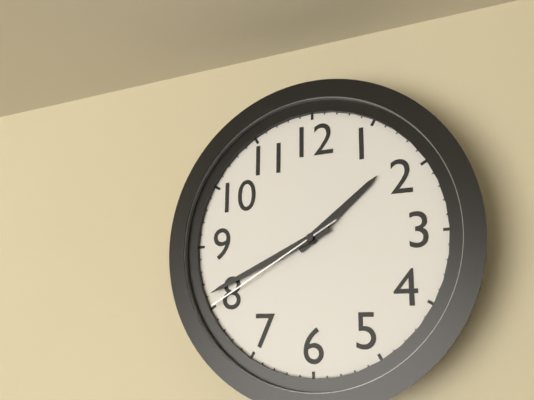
1:41:40
